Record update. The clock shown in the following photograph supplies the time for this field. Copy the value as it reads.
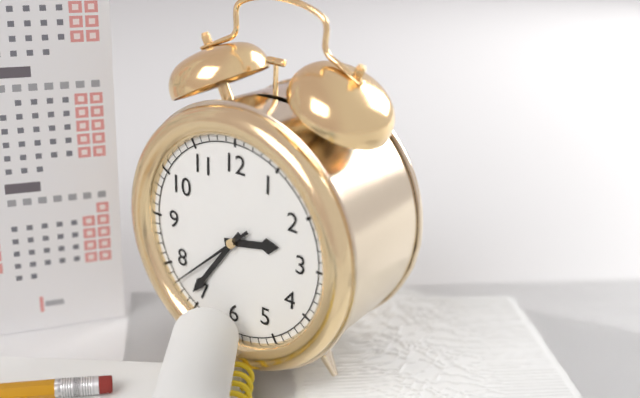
2:36:38
